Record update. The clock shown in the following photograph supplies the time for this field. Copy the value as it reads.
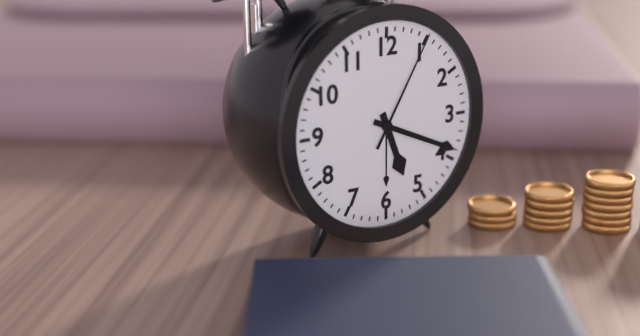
5:19:05
